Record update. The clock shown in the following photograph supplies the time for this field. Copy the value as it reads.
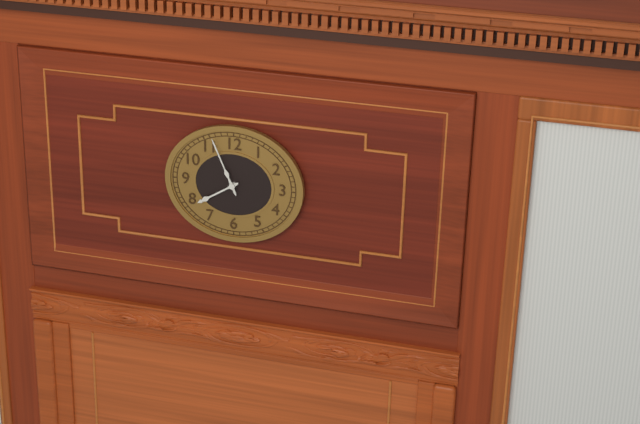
7:56
